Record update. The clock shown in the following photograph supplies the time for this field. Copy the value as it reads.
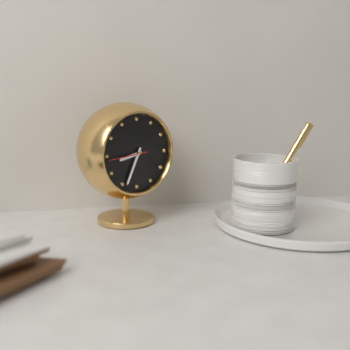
8:34
